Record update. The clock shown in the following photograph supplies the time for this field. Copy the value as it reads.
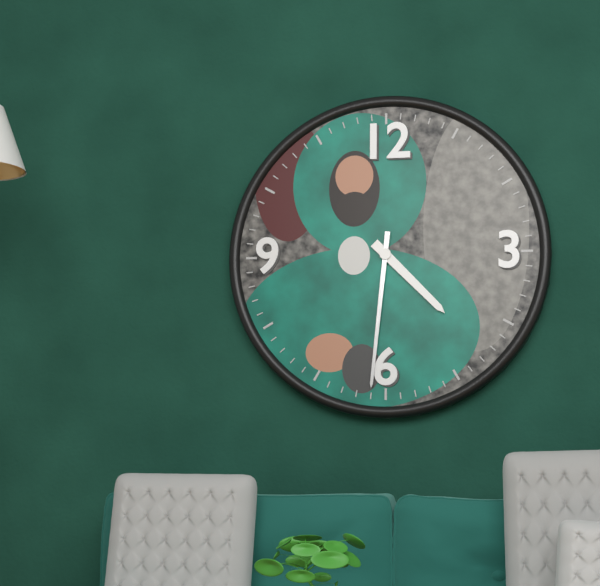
4:31
